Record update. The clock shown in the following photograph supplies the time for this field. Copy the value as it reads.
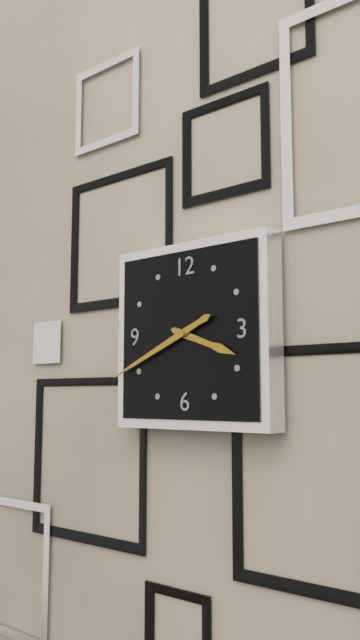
3:41
